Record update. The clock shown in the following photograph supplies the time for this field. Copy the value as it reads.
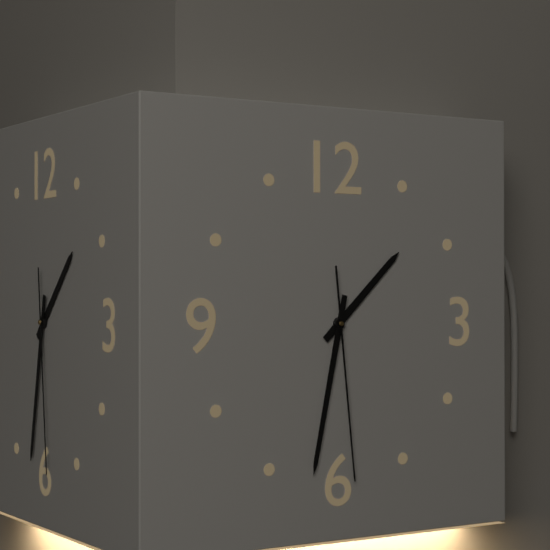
1:32:29
